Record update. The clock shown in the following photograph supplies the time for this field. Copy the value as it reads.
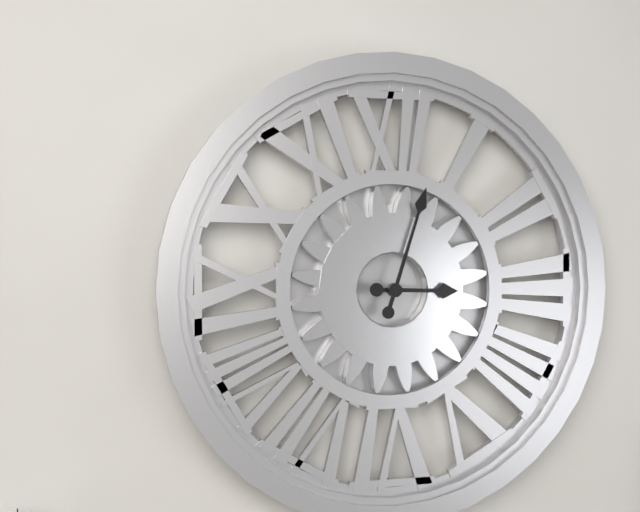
3:03
